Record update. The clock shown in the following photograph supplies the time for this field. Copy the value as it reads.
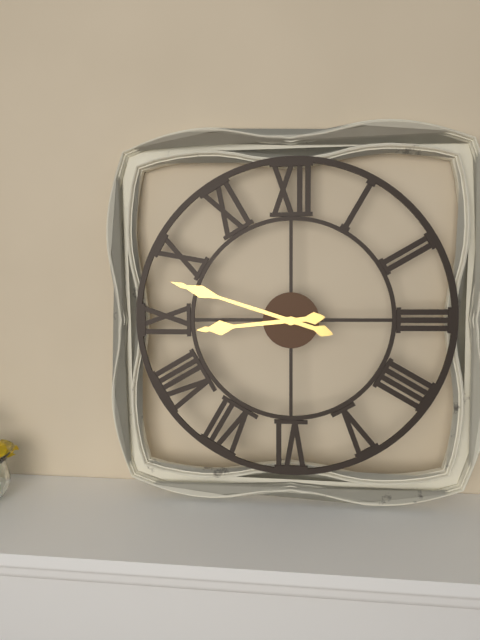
8:48
